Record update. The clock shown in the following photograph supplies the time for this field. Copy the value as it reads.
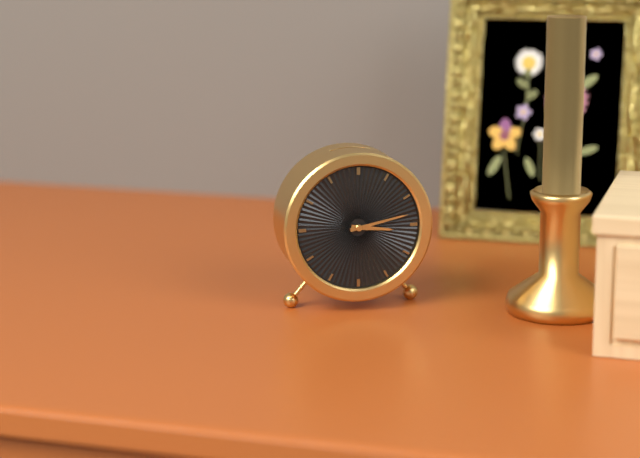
3:13
